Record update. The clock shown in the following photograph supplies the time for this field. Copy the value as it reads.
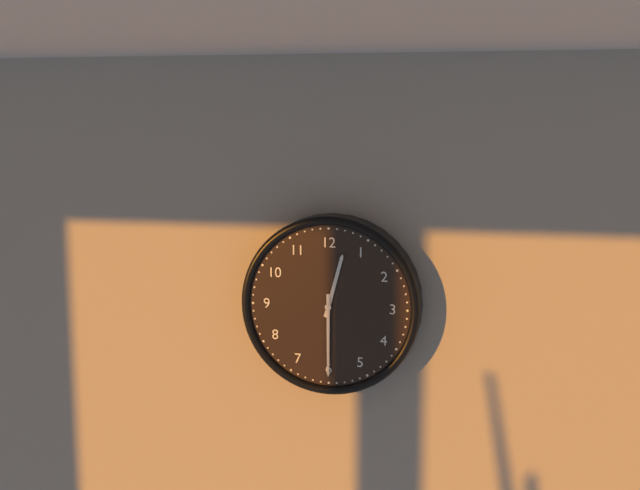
12:30
